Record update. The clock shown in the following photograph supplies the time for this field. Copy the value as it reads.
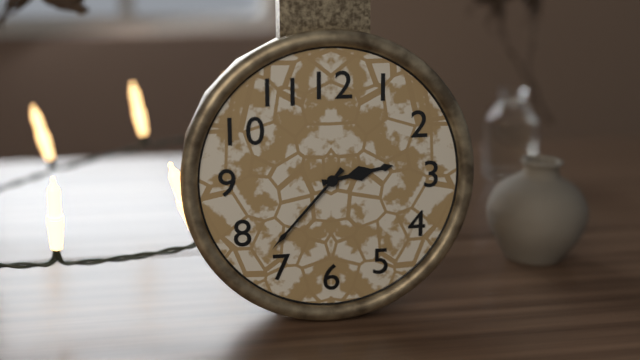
2:37
